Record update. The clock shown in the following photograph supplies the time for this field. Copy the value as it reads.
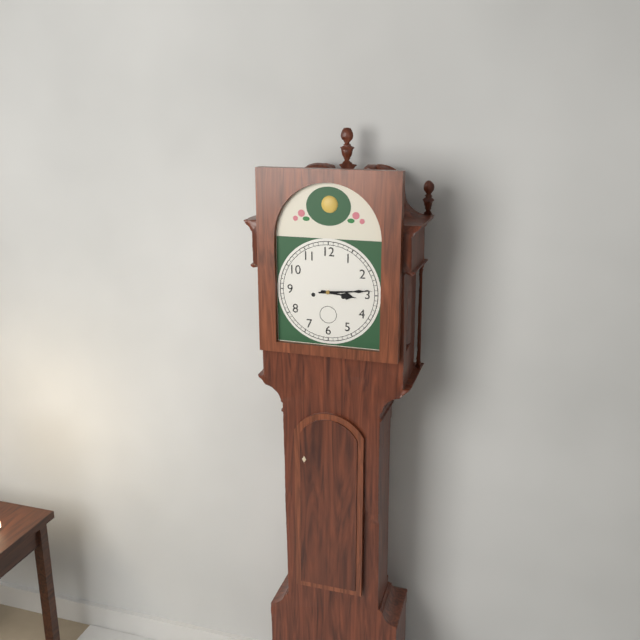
3:14
